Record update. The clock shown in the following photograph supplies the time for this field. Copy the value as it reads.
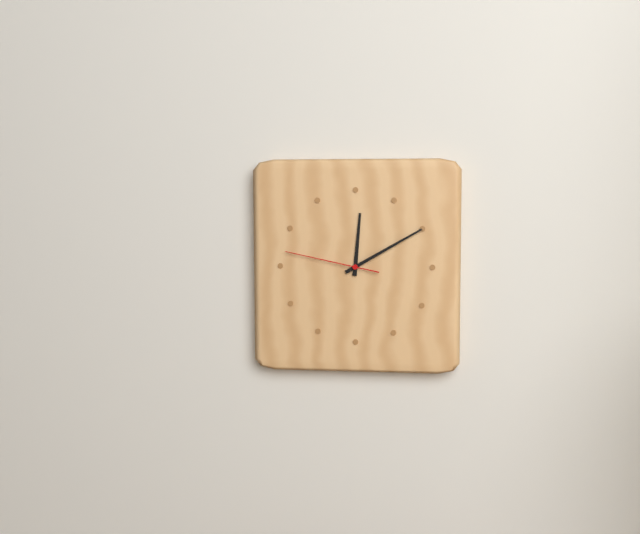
12:10:47
